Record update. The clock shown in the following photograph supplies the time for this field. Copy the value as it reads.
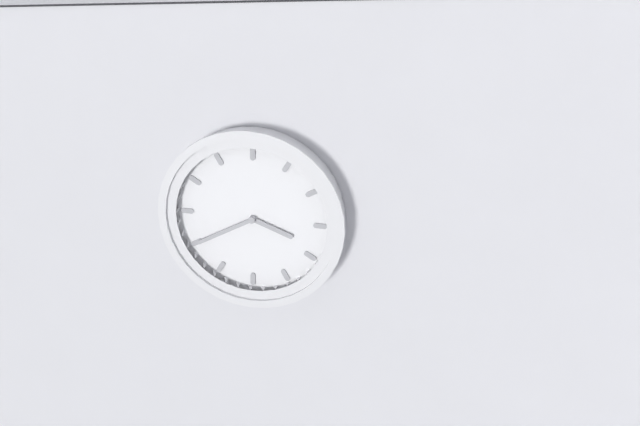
3:40
